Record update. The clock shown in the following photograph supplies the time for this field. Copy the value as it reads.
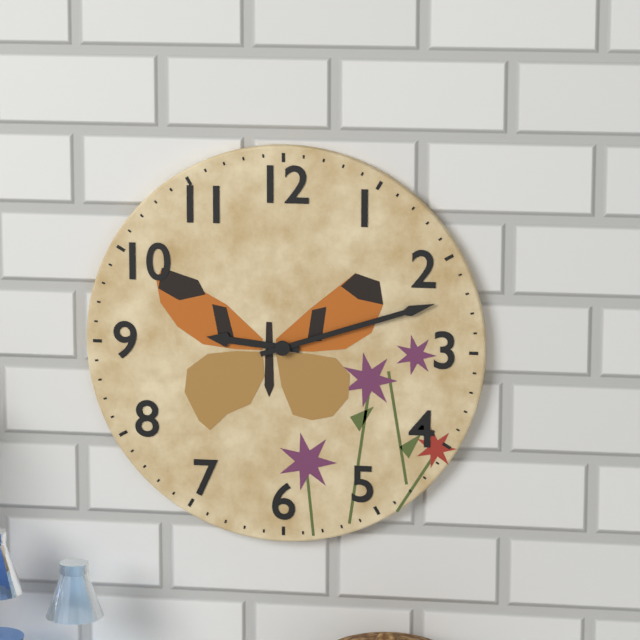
9:12
